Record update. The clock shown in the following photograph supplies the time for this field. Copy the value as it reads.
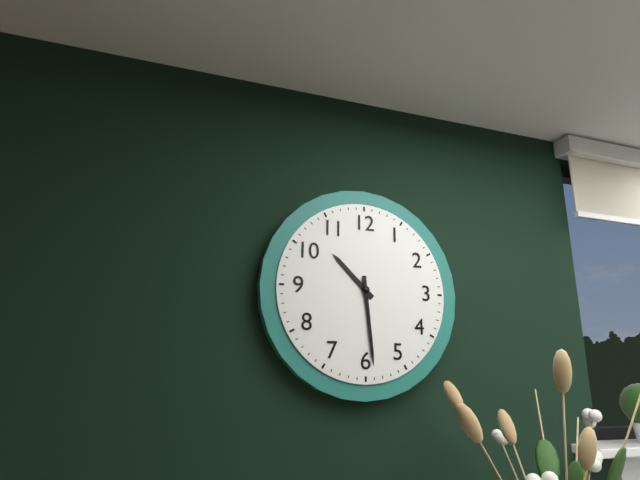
10:29
